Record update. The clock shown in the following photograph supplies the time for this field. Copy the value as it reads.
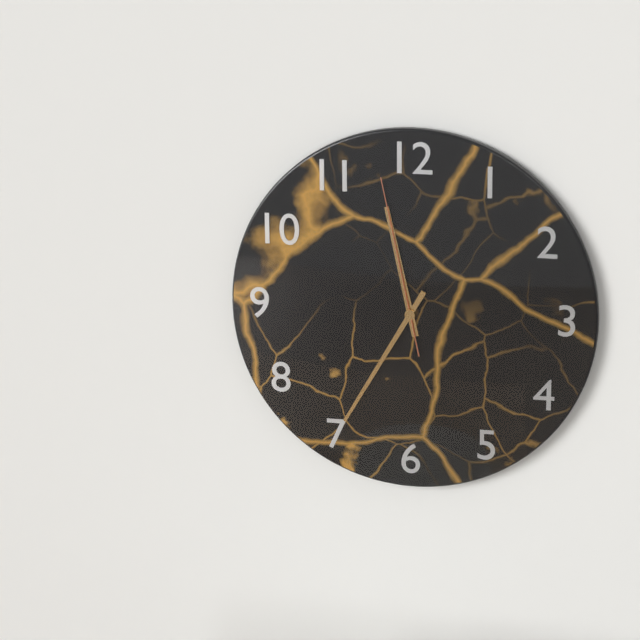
11:35:58
